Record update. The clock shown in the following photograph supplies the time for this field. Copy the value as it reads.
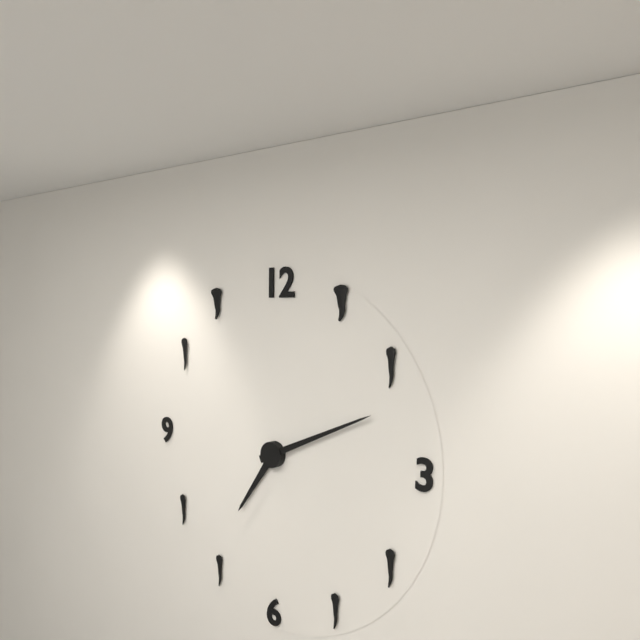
7:11
